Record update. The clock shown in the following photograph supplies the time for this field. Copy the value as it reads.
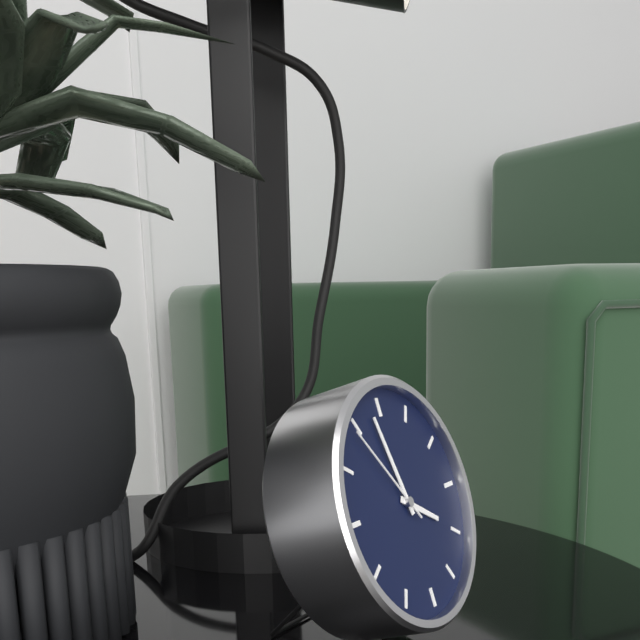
3:58:54
